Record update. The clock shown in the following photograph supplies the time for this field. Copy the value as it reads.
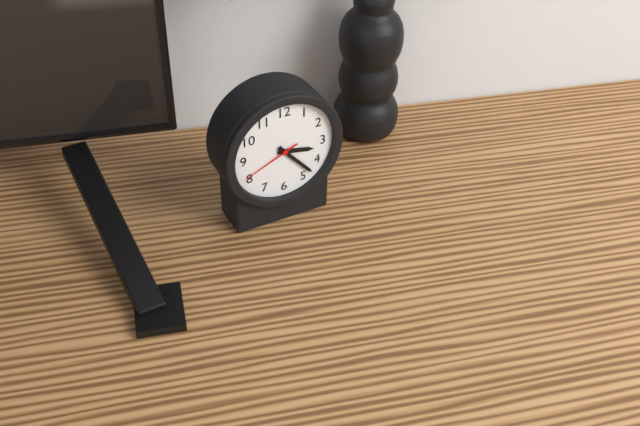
3:23:41
